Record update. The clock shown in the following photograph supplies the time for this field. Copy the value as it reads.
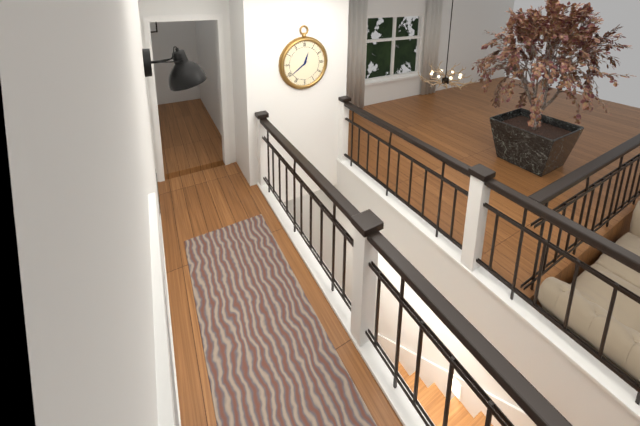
12:39
